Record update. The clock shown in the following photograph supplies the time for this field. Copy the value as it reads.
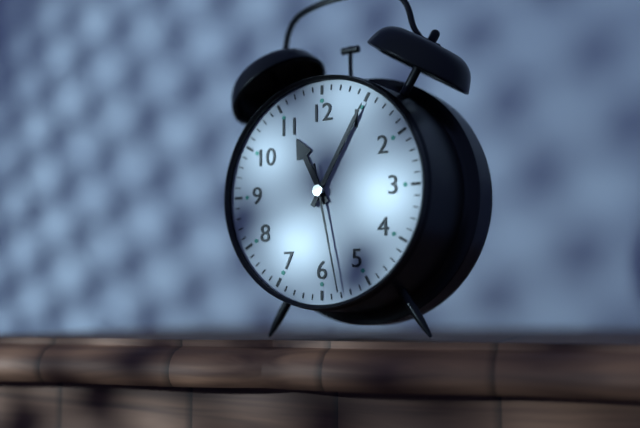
11:05:28
